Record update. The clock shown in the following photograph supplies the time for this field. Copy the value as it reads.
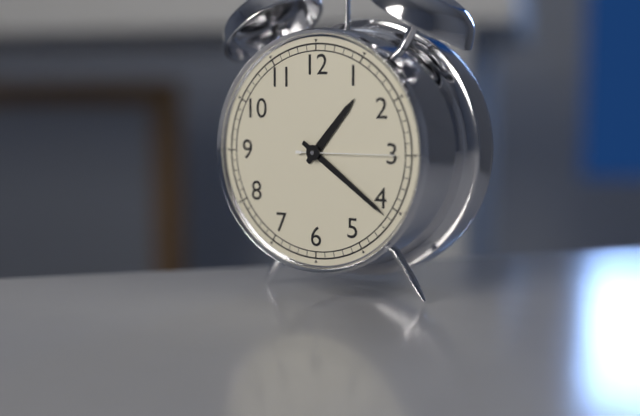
1:21:15
